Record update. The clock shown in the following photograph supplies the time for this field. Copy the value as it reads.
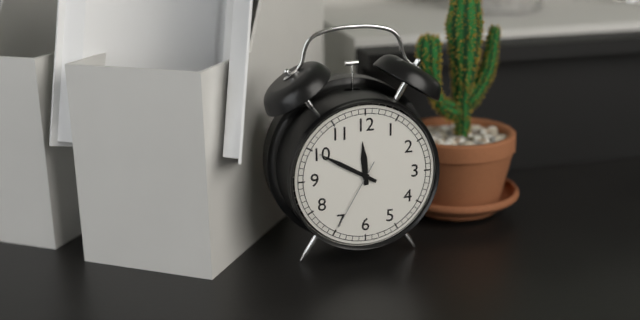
11:50:35
